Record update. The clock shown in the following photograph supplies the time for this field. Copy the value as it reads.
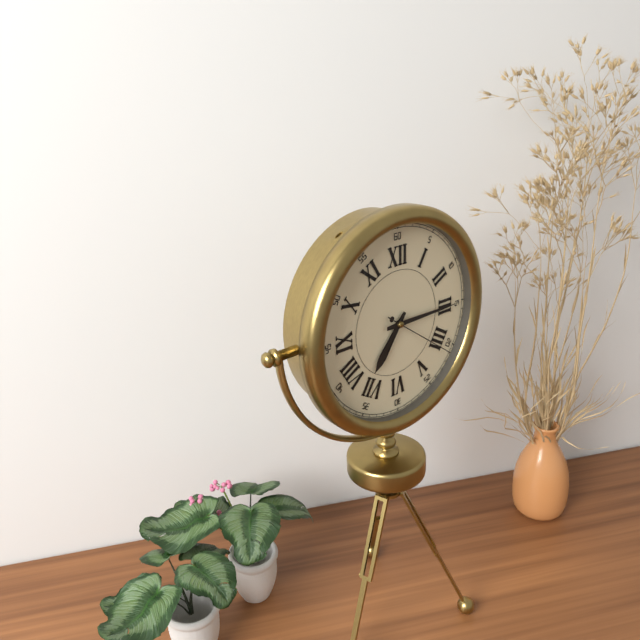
7:15:21
